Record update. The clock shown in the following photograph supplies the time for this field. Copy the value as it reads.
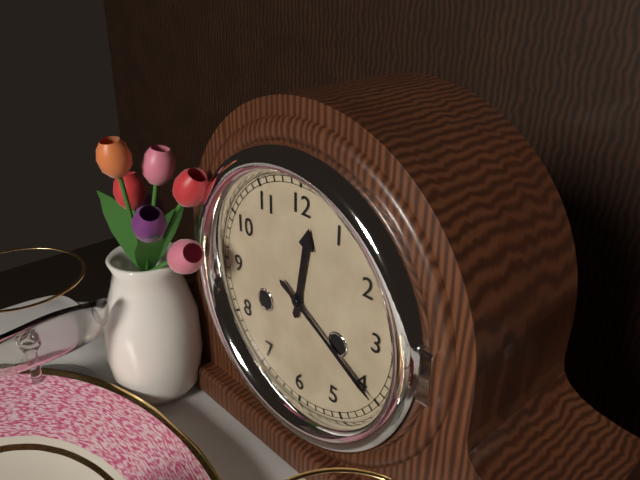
12:20
